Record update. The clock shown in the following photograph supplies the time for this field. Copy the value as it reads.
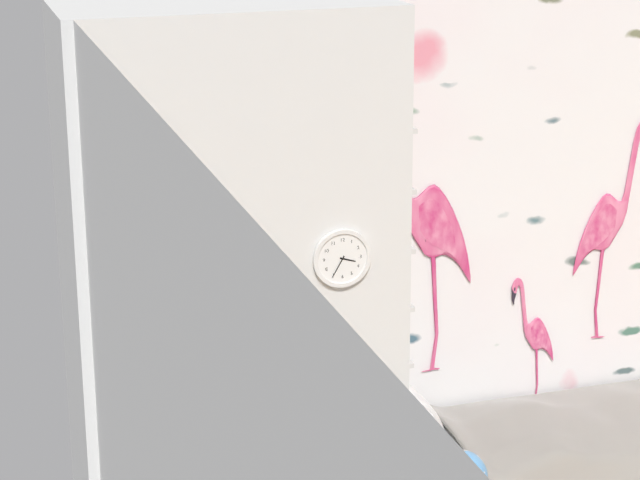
3:35
